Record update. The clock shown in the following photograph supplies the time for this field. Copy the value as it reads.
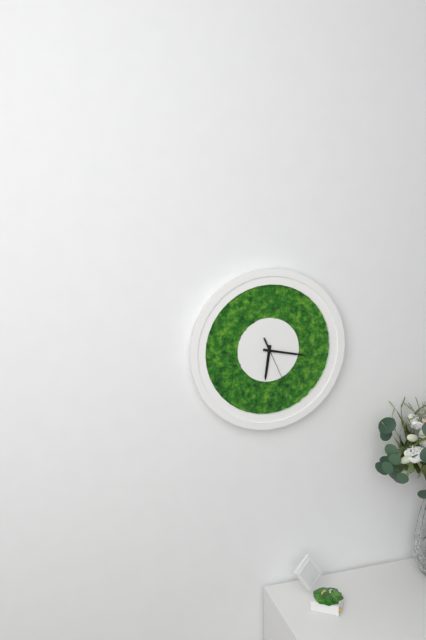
6:17
